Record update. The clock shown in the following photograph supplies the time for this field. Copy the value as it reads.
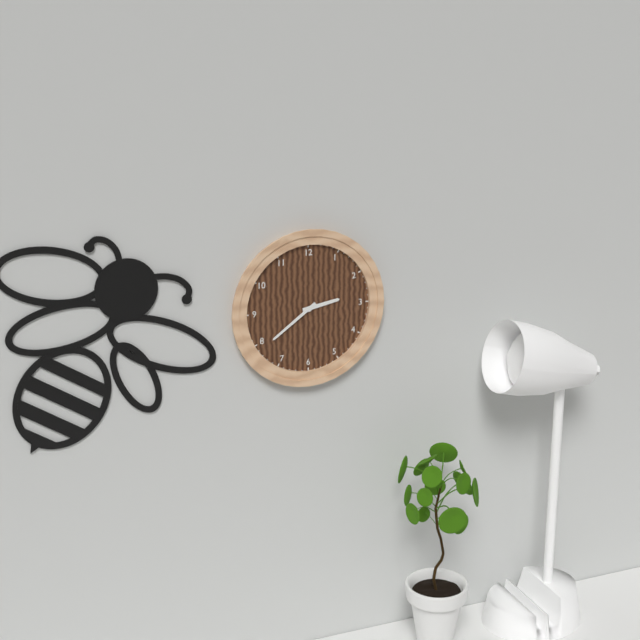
2:39
